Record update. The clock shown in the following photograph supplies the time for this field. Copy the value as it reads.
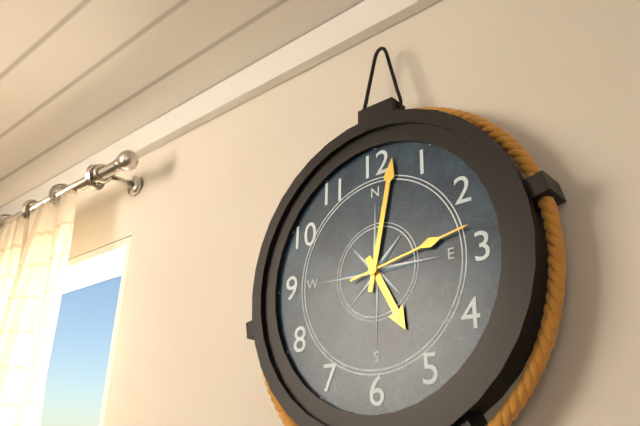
5:02:13
